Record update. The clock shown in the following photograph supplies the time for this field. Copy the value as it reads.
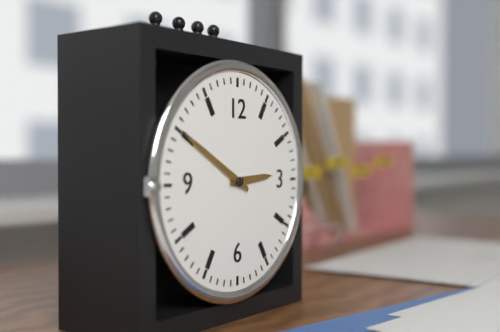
2:50
